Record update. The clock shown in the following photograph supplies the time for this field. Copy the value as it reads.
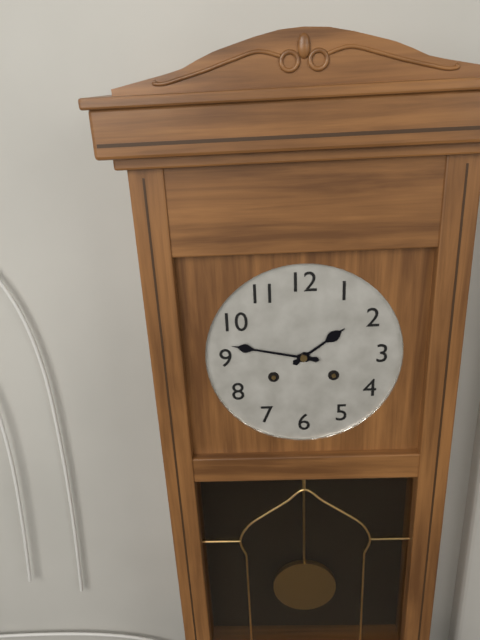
1:47
